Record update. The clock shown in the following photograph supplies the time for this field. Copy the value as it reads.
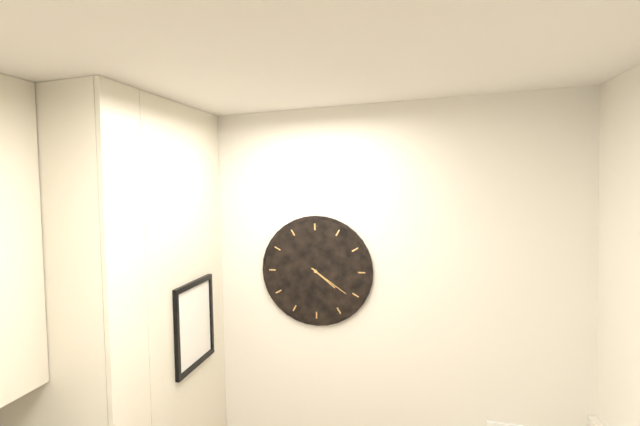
4:21
